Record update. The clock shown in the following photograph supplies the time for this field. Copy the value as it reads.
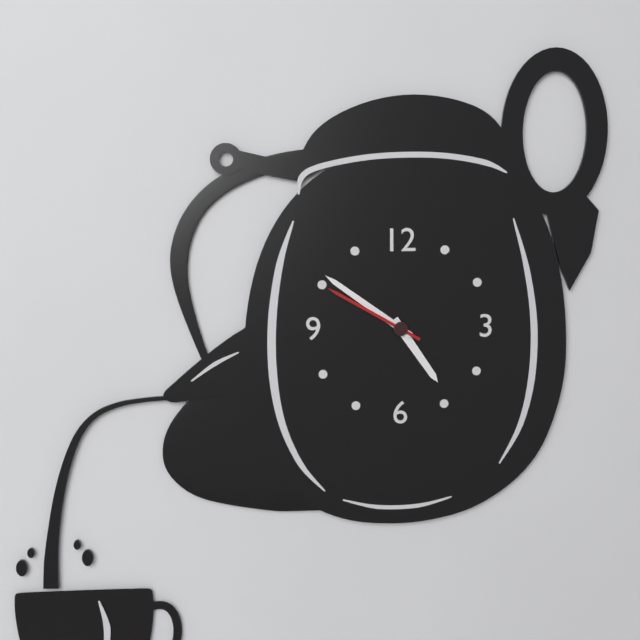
4:51:50
